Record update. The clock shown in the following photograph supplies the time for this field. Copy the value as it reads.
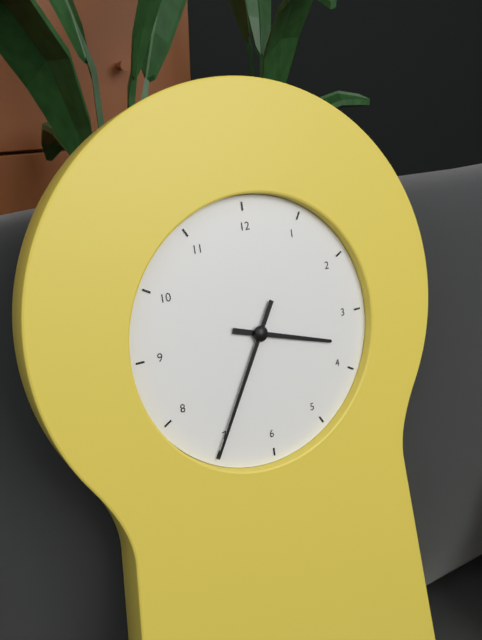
3:35
